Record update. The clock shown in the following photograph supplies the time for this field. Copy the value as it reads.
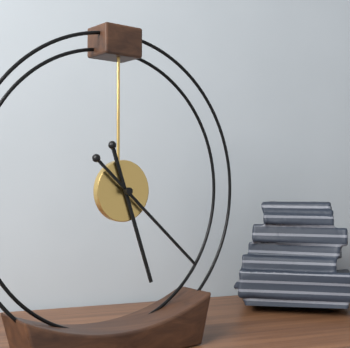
5:22
